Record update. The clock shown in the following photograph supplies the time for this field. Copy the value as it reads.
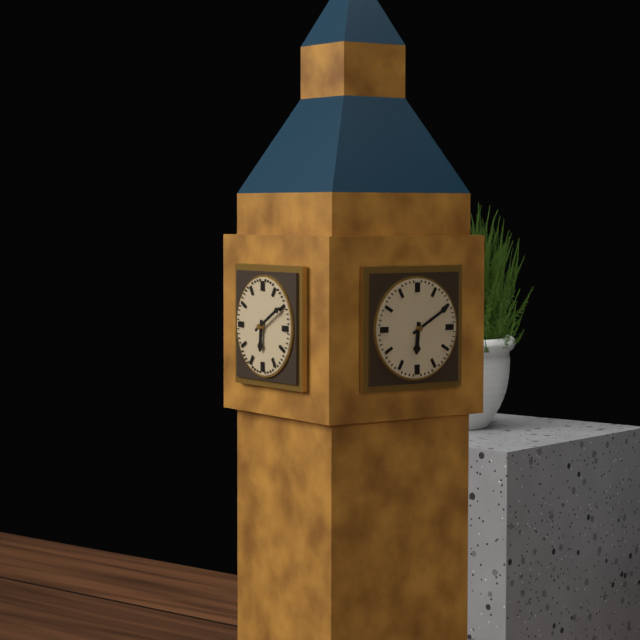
6:10
